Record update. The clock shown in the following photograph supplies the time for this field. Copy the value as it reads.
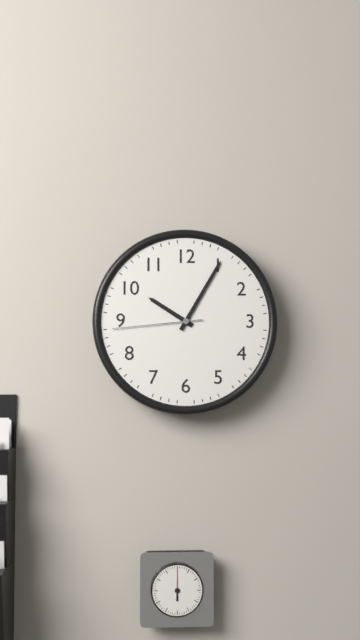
10:05:44
